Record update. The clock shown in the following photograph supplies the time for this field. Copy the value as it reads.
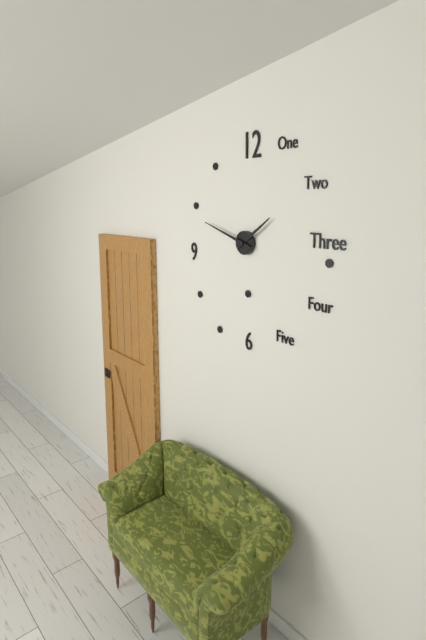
1:48
